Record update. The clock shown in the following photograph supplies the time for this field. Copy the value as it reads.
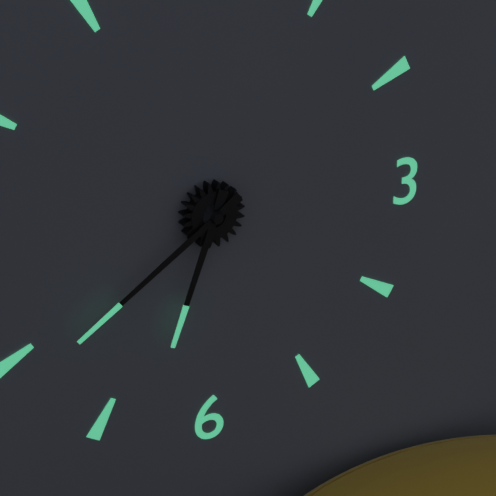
6:39
